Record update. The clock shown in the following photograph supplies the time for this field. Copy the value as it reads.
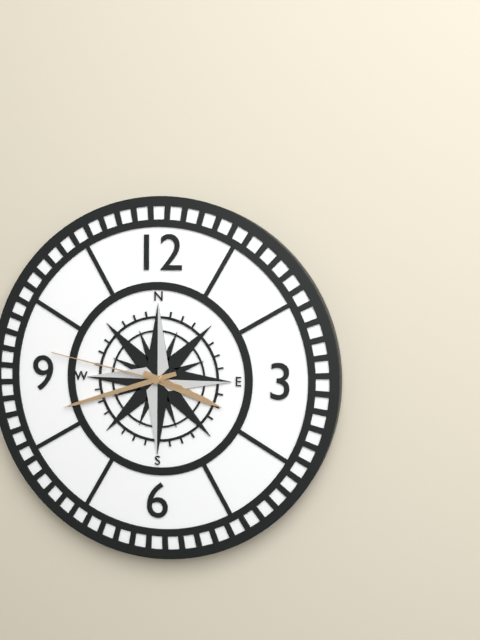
3:42:47
